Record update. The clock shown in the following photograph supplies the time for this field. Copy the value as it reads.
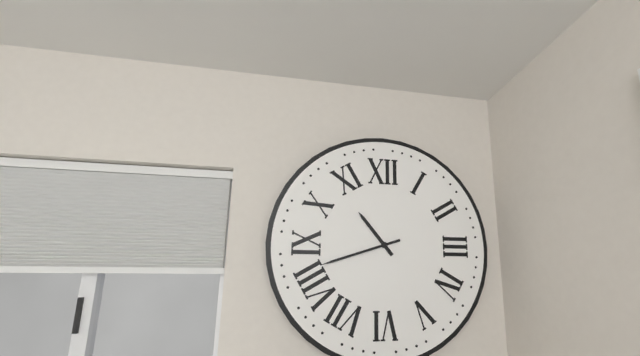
10:42
